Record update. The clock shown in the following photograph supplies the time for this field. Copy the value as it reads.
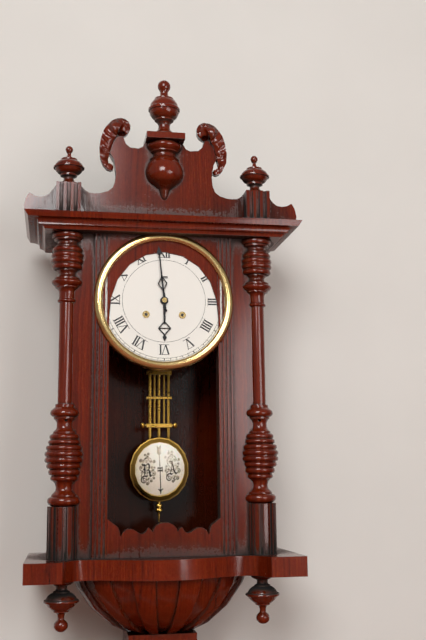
5:59
